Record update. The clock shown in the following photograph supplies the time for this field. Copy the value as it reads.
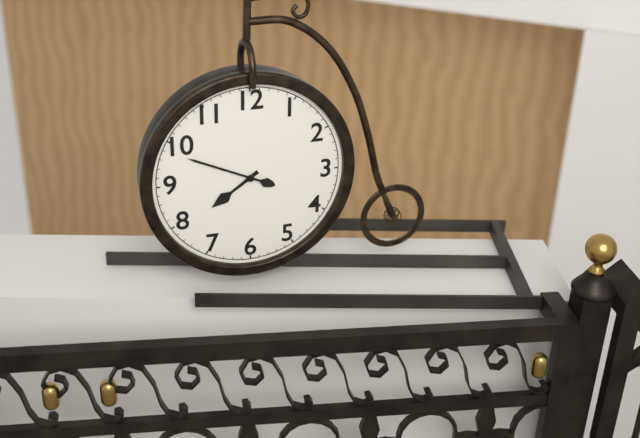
7:49
